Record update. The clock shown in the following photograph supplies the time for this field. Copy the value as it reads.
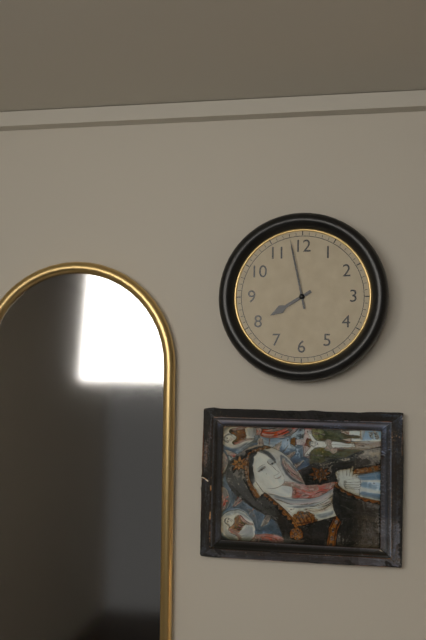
7:58
